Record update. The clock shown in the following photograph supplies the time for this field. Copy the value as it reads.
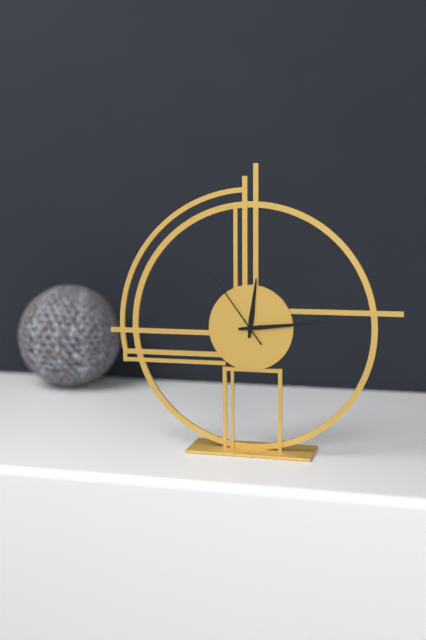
12:14:54
